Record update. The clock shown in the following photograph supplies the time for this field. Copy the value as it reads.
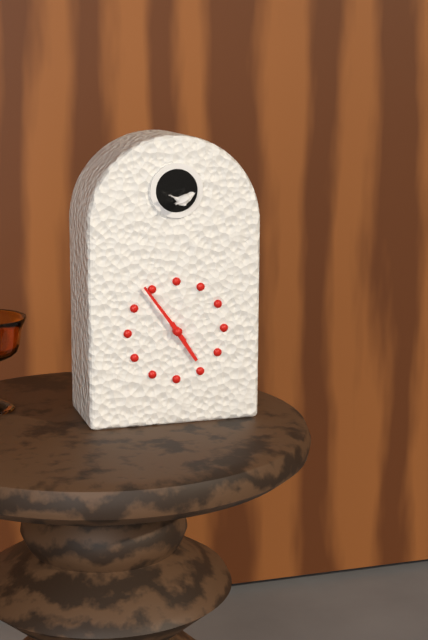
4:54
